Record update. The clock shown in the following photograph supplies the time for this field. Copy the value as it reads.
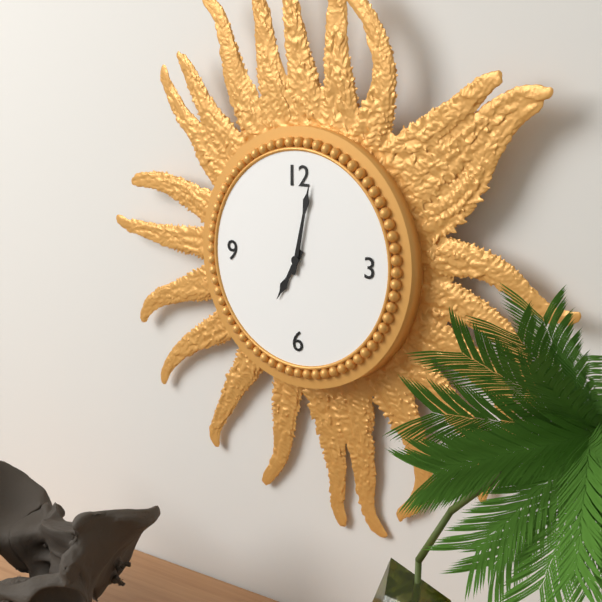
7:02
